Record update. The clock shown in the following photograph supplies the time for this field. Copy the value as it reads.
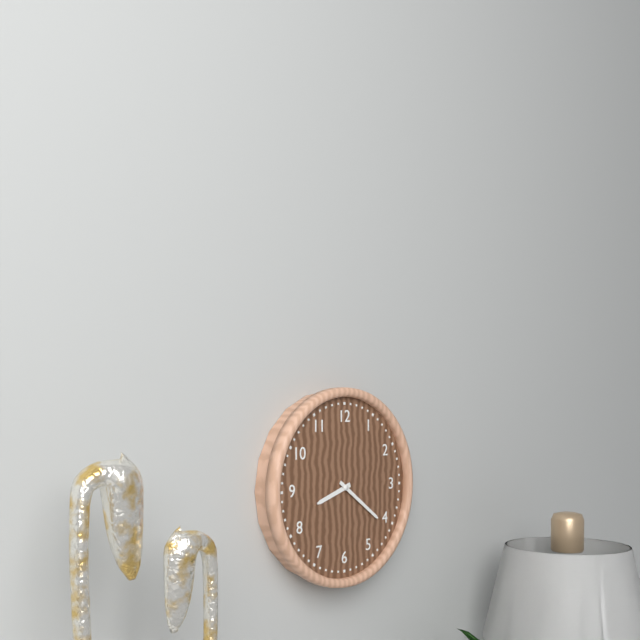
8:21
